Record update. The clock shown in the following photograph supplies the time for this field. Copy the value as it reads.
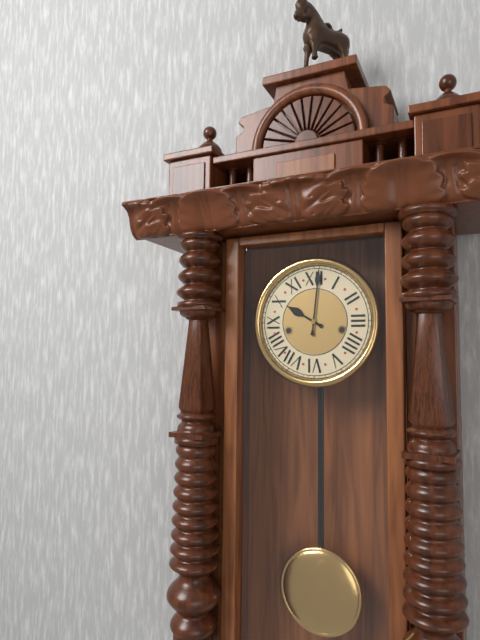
10:01
